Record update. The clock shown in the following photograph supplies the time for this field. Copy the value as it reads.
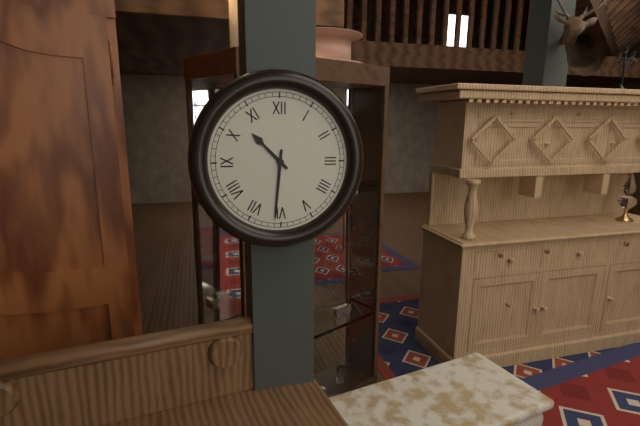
10:31
